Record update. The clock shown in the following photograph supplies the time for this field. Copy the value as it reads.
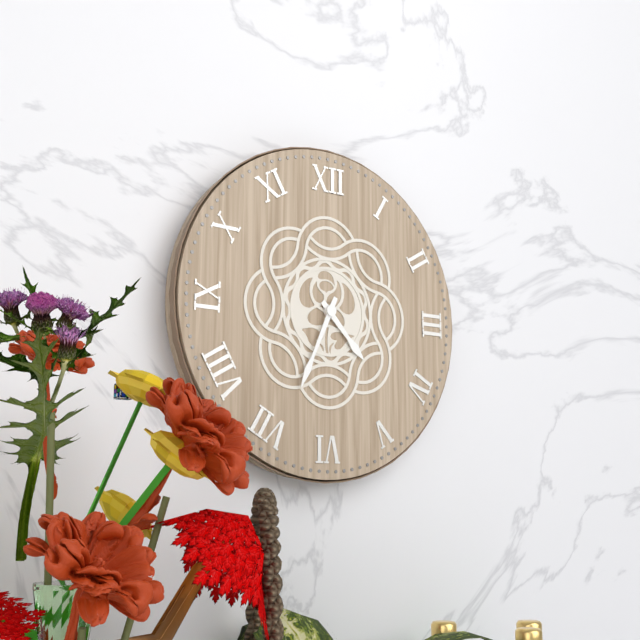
4:34
